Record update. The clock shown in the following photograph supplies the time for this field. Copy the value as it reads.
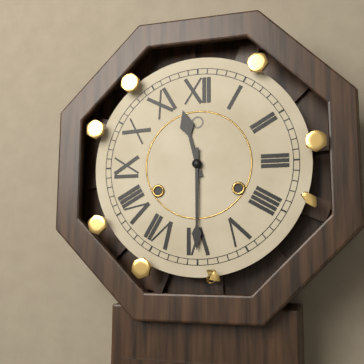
11:30
